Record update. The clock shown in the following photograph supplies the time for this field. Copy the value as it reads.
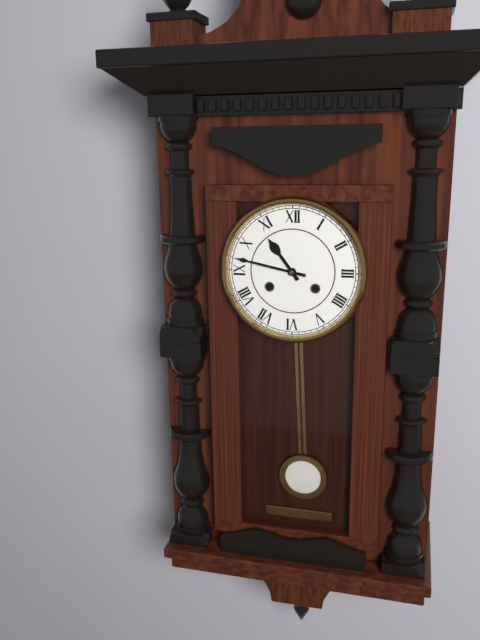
10:47
